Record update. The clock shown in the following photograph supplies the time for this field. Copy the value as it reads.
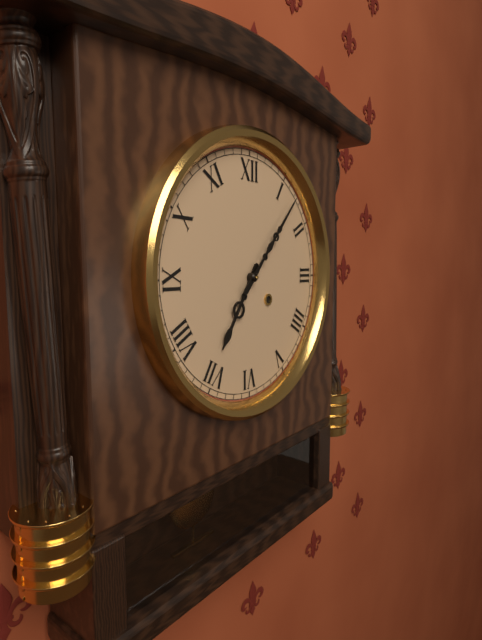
7:07
